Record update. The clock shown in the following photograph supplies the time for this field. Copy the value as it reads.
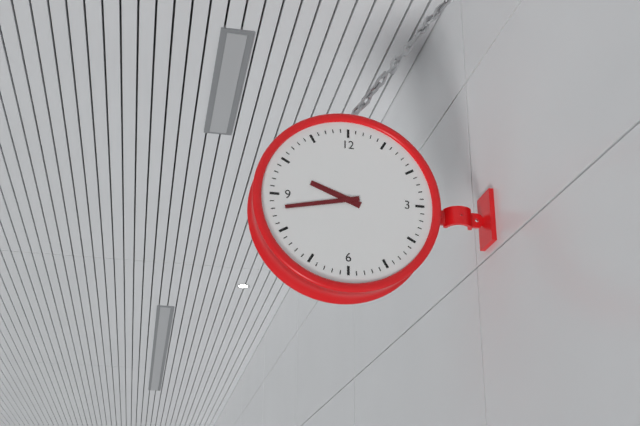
9:43
